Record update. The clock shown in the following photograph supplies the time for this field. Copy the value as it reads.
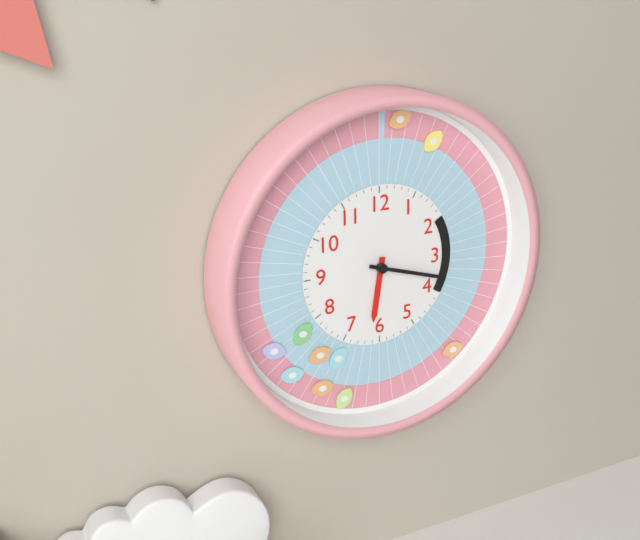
6:18
